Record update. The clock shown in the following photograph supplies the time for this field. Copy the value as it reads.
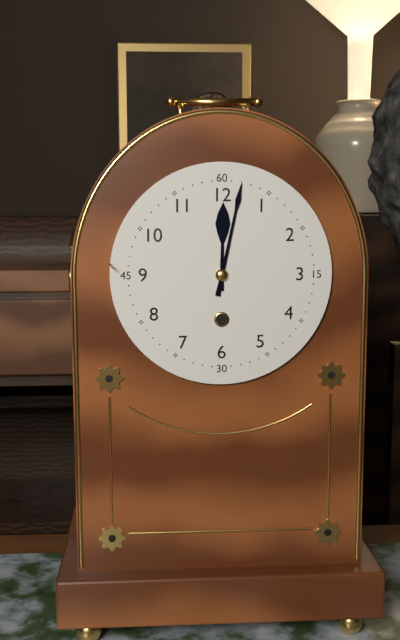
12:02
